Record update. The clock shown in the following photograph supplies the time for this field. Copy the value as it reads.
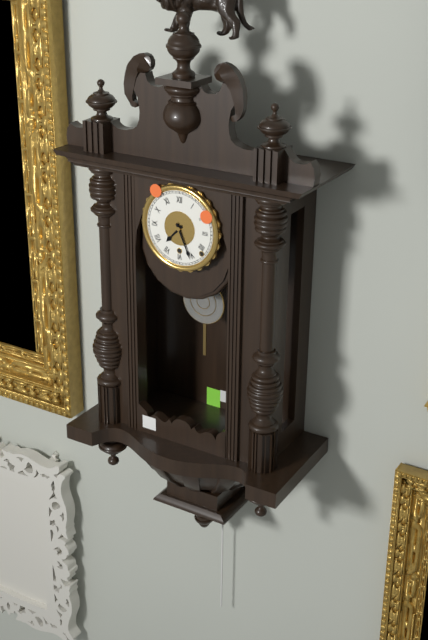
7:26
